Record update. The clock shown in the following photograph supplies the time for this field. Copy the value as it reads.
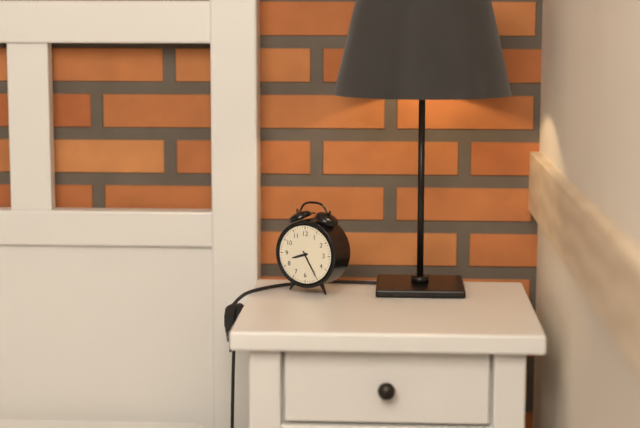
8:25
